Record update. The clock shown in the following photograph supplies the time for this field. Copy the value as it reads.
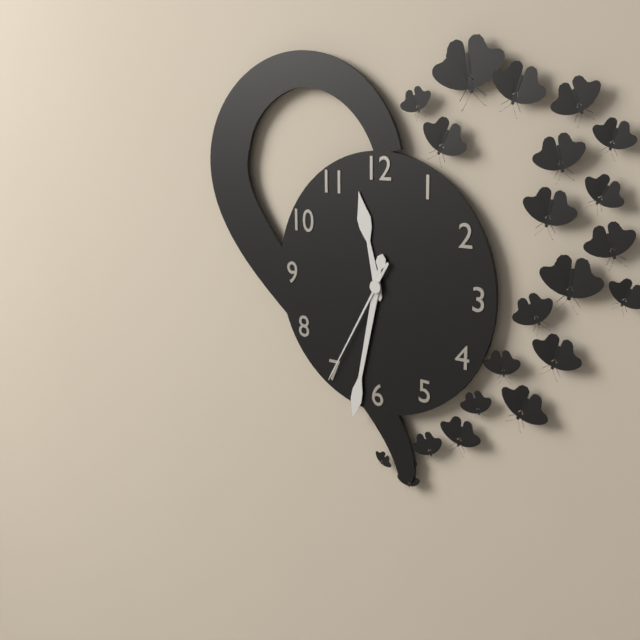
11:32:35
